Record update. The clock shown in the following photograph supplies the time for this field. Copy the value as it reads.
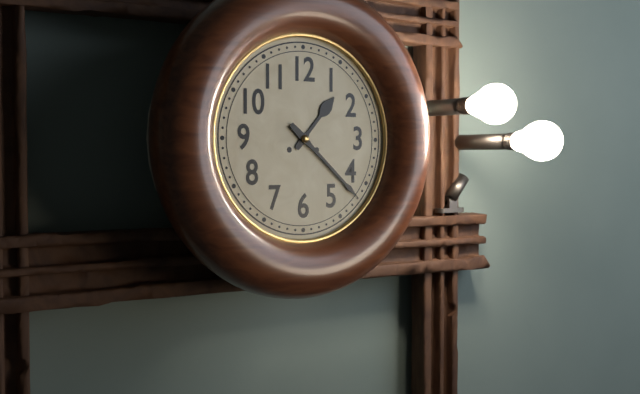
1:22
